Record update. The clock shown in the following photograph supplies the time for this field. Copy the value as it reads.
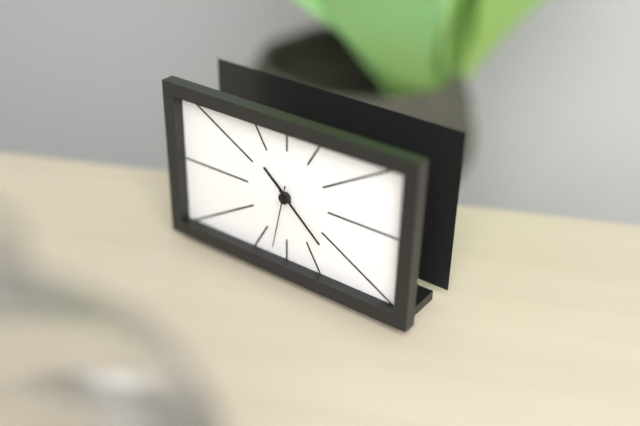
10:22:32
